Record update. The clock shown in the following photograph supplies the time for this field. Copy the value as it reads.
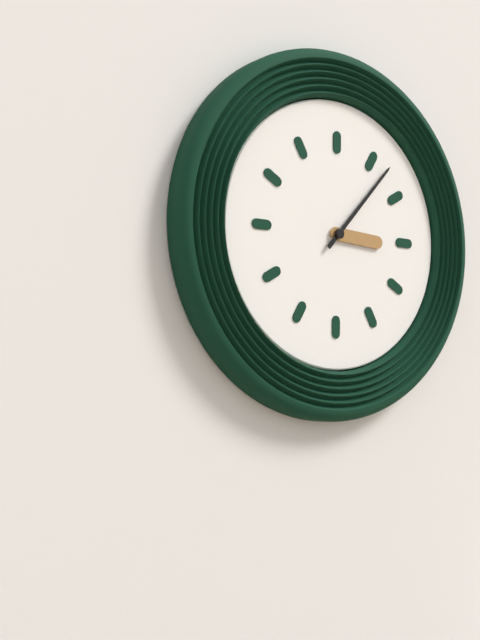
3:07
